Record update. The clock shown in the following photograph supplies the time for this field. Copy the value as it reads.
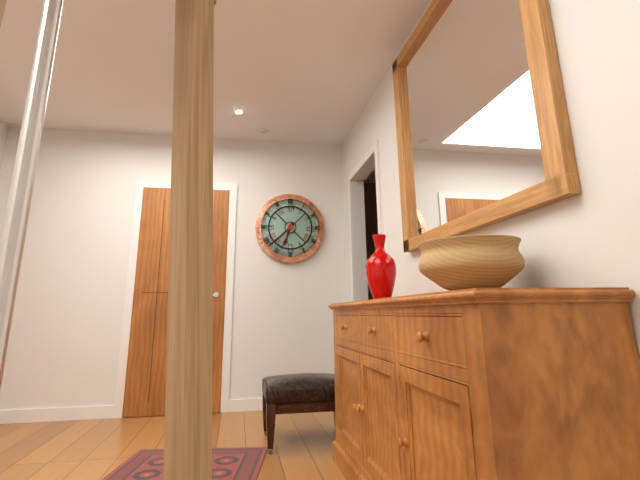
6:38
